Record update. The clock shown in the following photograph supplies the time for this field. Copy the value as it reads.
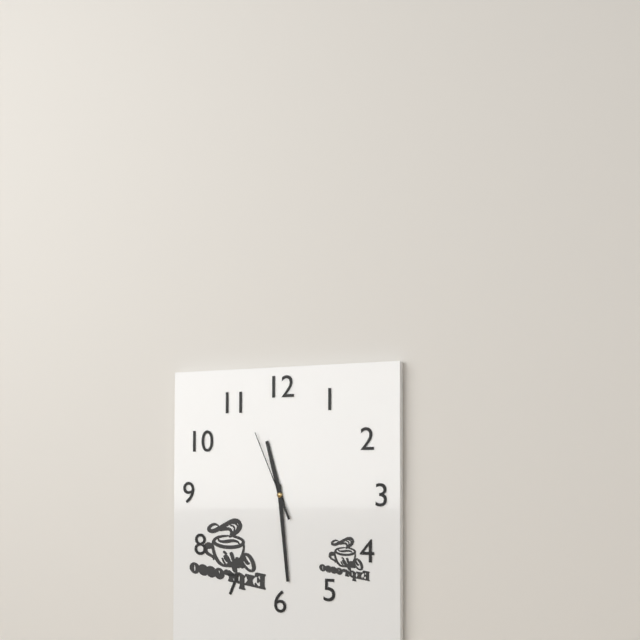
11:29:56
